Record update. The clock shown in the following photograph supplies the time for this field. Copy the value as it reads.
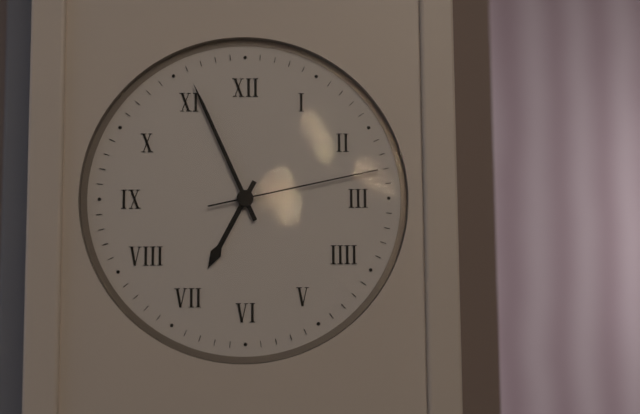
6:56:13
